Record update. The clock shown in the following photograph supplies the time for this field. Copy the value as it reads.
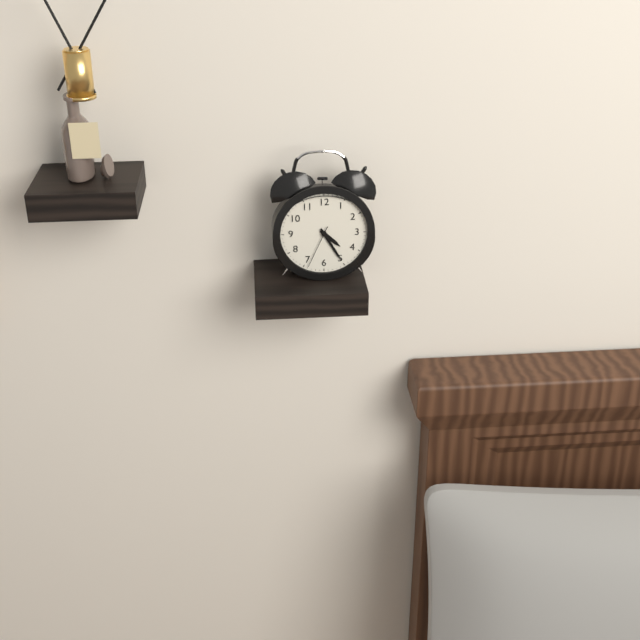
4:25
